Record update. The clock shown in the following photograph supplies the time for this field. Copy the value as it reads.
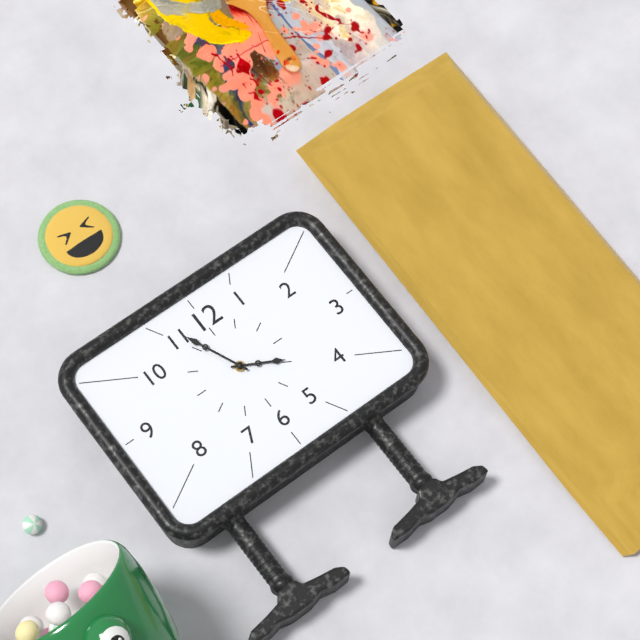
3:56
